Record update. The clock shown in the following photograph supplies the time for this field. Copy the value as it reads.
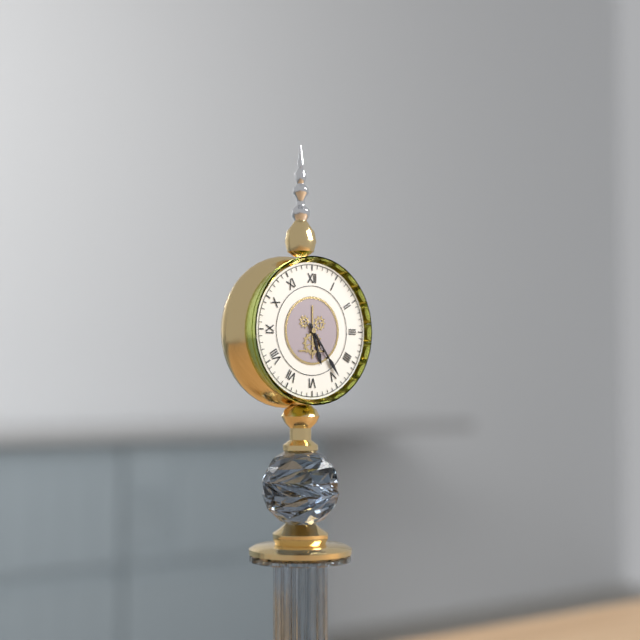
5:24
